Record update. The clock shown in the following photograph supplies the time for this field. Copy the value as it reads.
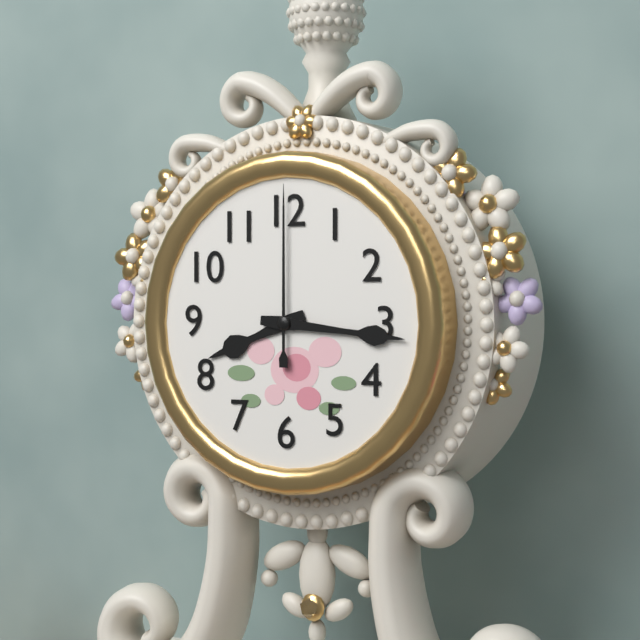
8:16:00
